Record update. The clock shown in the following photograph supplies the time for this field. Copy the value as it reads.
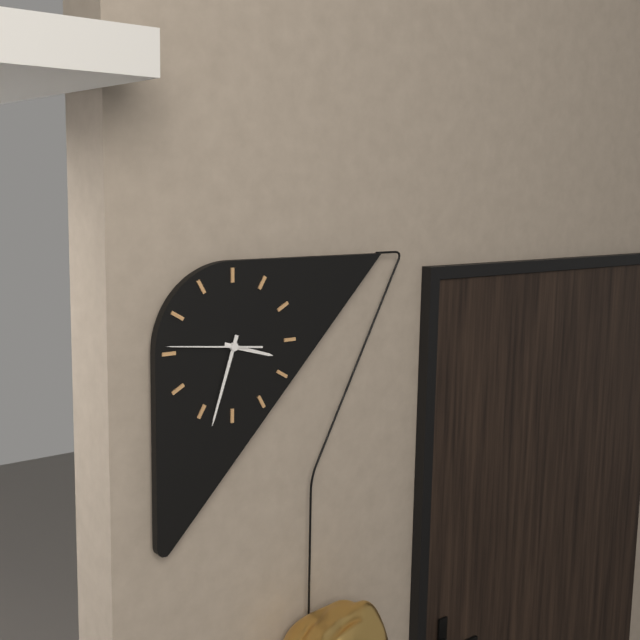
3:33:46
